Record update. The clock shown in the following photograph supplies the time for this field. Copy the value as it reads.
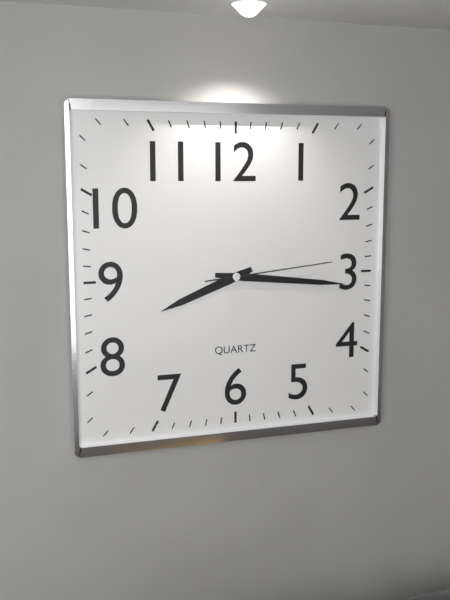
8:16:14
